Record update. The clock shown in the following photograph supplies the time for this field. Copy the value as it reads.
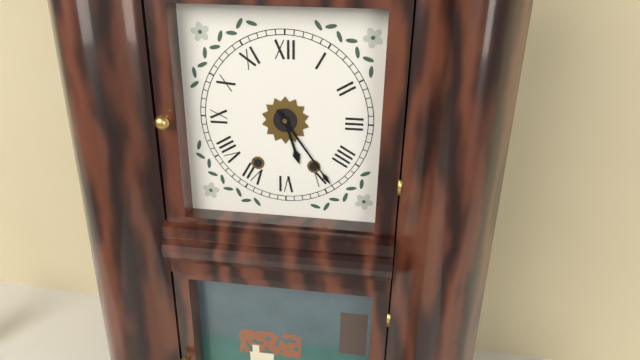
5:24
